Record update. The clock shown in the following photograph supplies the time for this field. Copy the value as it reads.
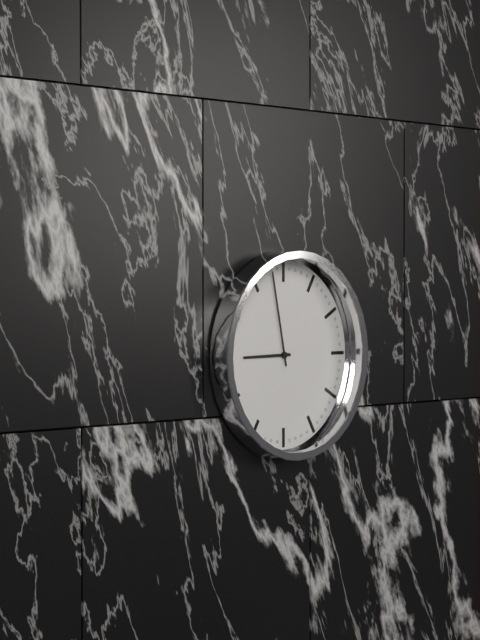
8:58
